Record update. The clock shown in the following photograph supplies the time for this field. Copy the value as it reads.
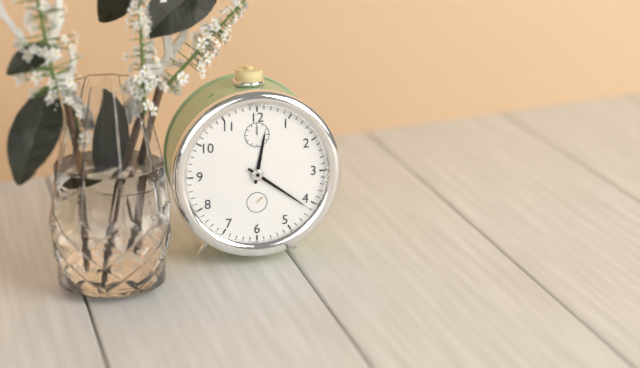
12:21
